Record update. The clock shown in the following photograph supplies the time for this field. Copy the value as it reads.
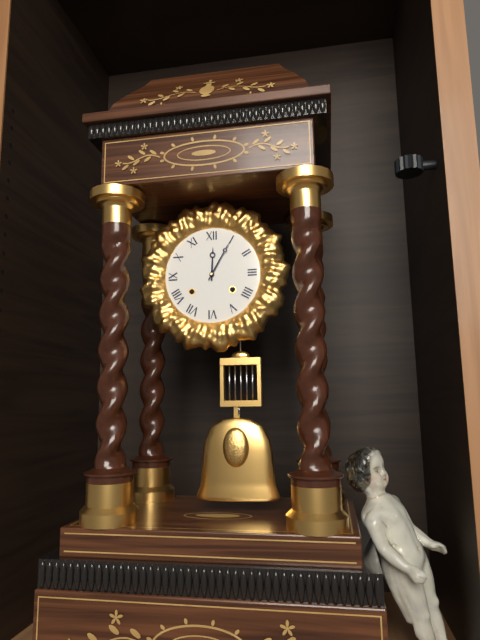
12:05
